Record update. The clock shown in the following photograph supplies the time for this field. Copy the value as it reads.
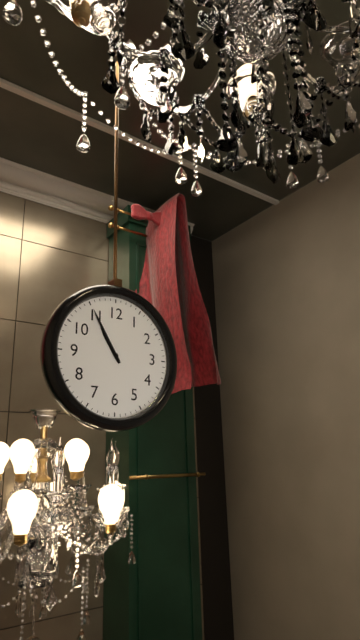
10:55
